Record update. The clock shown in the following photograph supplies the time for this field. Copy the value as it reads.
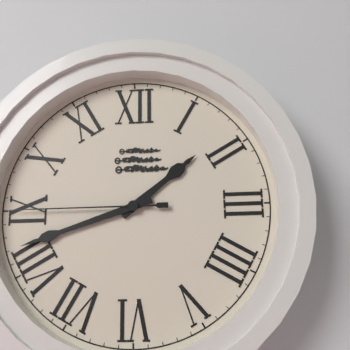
1:42:45
